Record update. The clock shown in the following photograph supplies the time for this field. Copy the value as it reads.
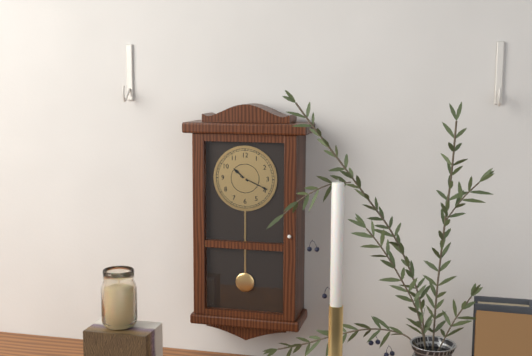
10:19
